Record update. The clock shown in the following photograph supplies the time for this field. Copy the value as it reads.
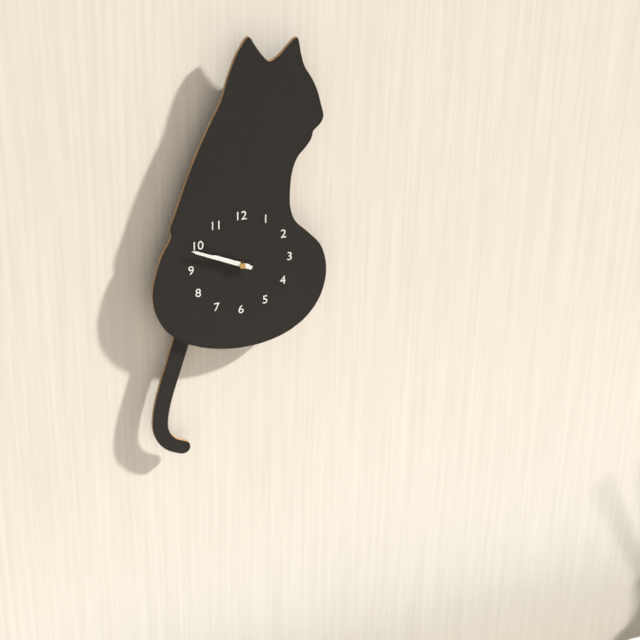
9:49
